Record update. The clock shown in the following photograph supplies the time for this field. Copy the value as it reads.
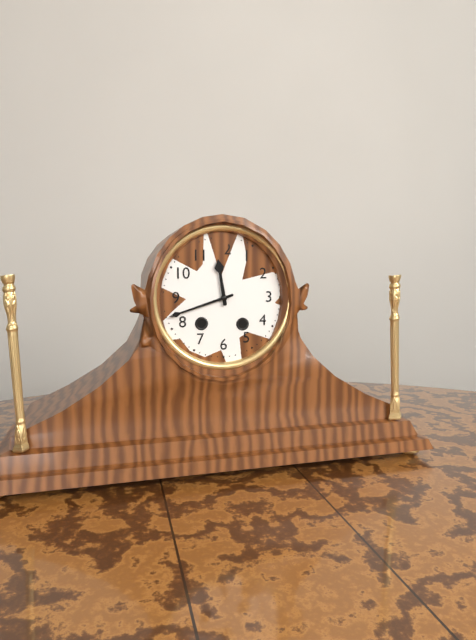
11:42
